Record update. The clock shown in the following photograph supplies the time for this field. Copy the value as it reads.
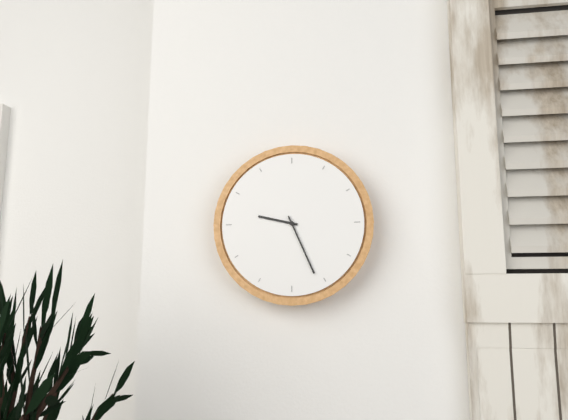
9:26
